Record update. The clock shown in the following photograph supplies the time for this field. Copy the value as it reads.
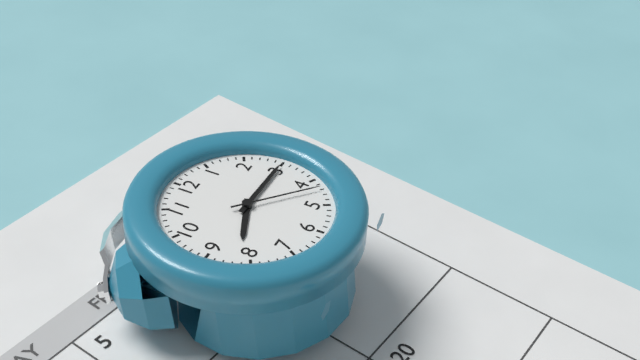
8:15:22
